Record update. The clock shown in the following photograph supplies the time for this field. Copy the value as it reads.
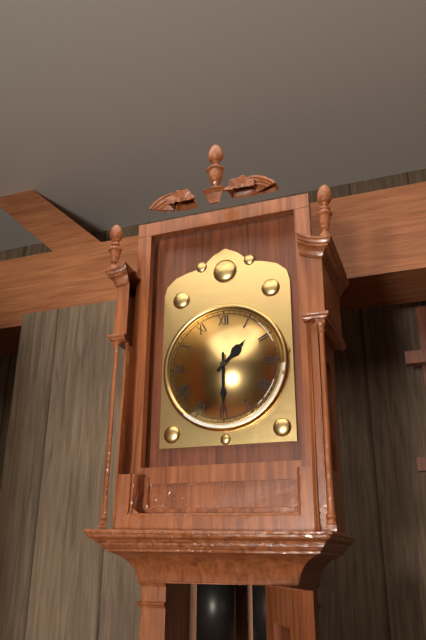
1:30
